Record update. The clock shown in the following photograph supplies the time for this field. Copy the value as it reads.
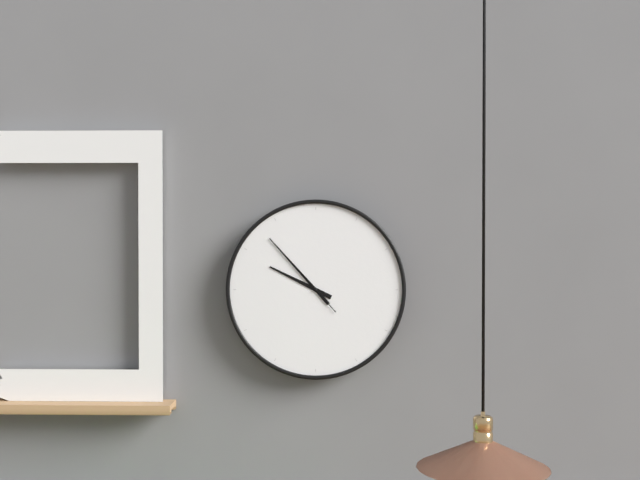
9:53:53
